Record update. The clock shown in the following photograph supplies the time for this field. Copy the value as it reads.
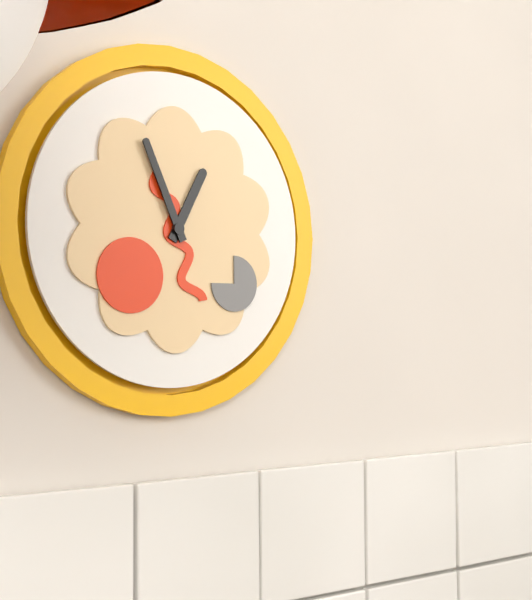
12:56
